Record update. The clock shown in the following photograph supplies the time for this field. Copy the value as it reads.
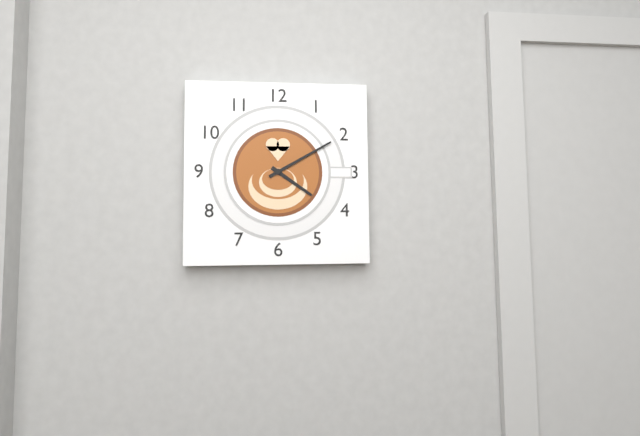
4:10
